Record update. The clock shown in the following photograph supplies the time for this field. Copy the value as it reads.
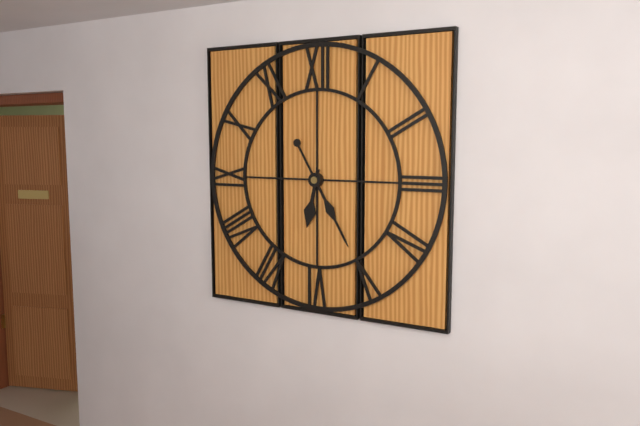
6:25
